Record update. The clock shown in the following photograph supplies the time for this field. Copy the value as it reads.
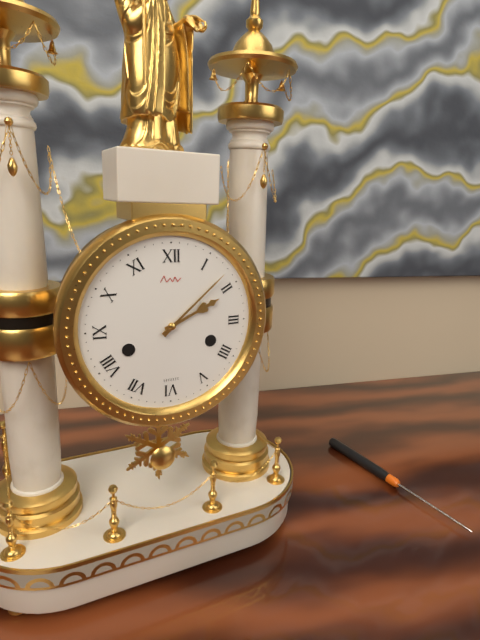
2:08
